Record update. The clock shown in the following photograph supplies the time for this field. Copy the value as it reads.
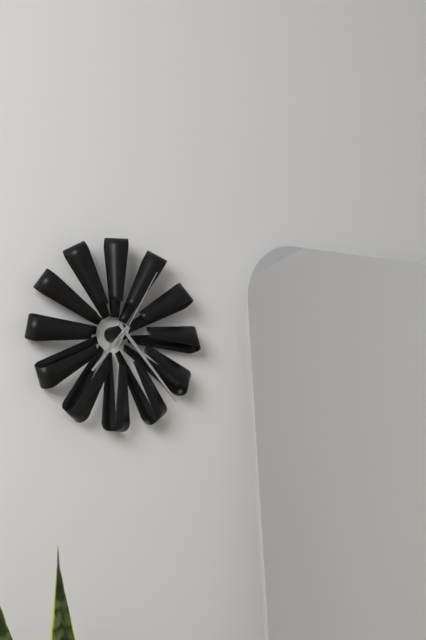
7:23:05
